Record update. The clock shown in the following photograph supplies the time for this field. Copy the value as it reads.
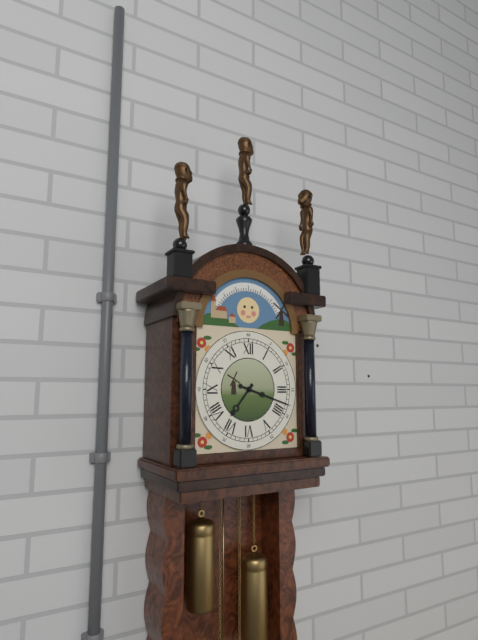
7:18
